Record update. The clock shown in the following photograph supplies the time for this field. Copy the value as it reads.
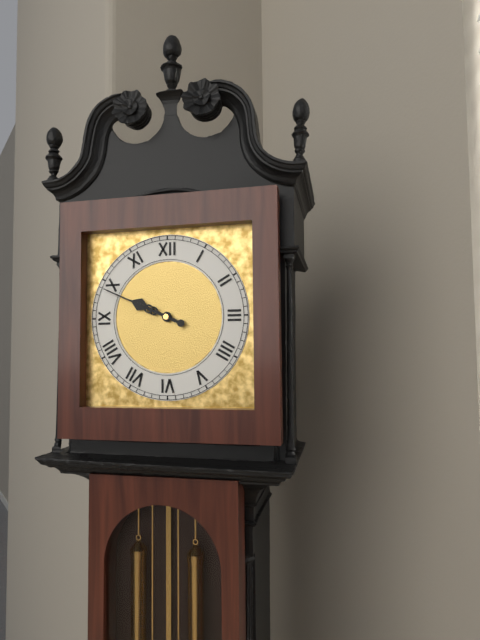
9:49
